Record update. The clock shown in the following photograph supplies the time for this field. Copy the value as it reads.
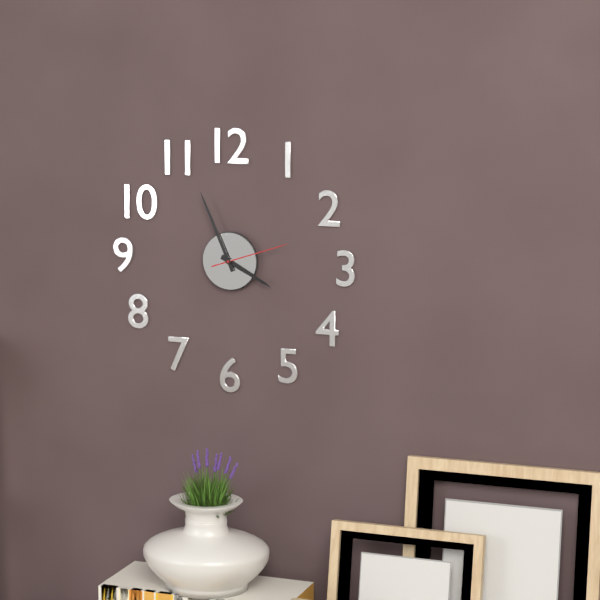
3:56:12
